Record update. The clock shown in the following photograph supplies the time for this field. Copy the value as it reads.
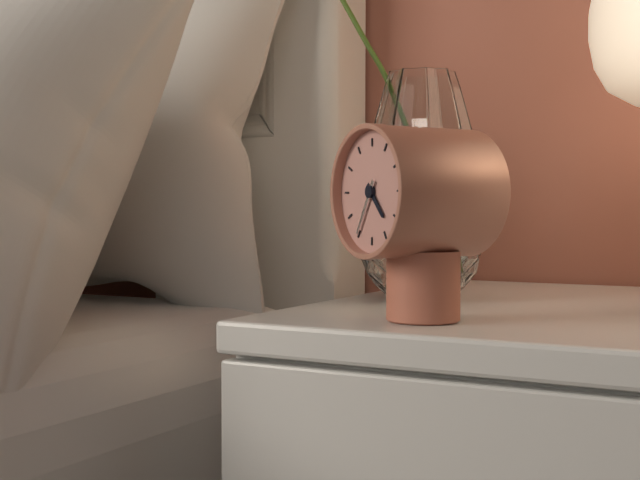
4:35
